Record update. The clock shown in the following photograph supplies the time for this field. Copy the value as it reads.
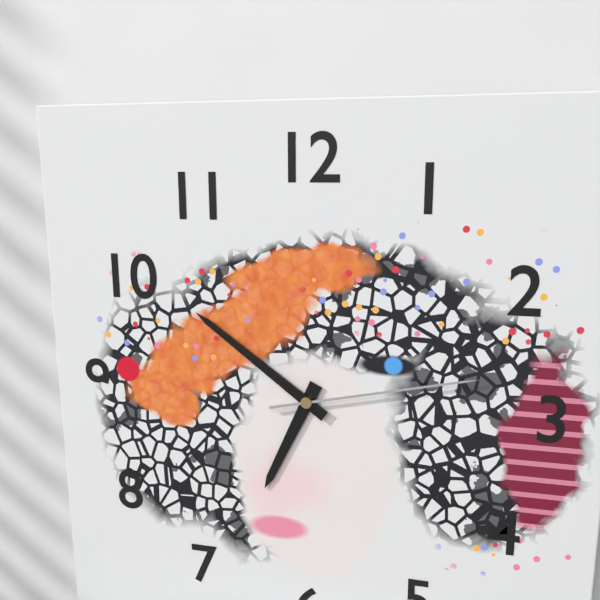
6:51:13
